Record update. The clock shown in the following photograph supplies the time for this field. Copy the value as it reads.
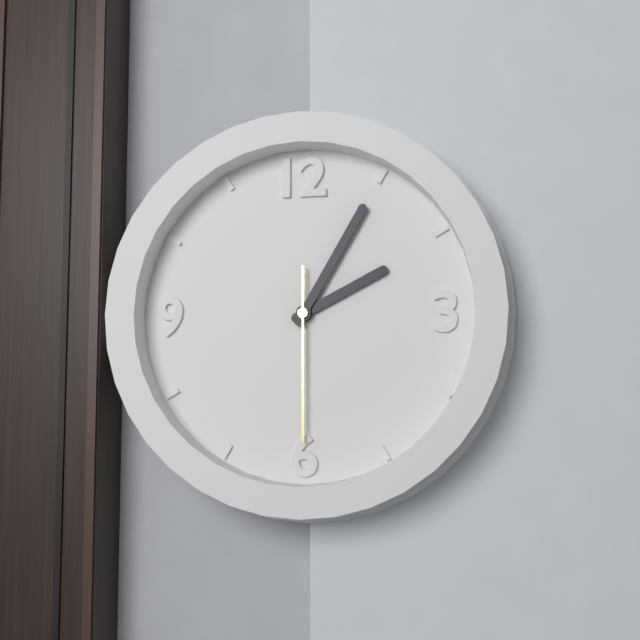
2:05:30
